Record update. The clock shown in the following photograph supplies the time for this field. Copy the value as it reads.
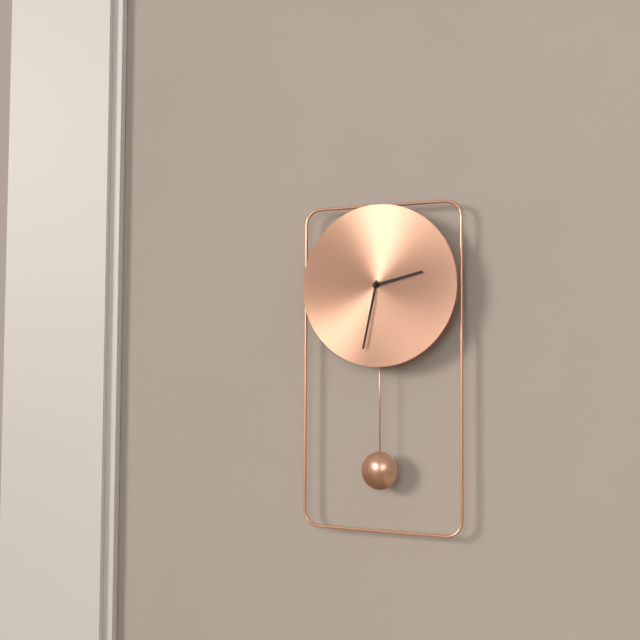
2:32
